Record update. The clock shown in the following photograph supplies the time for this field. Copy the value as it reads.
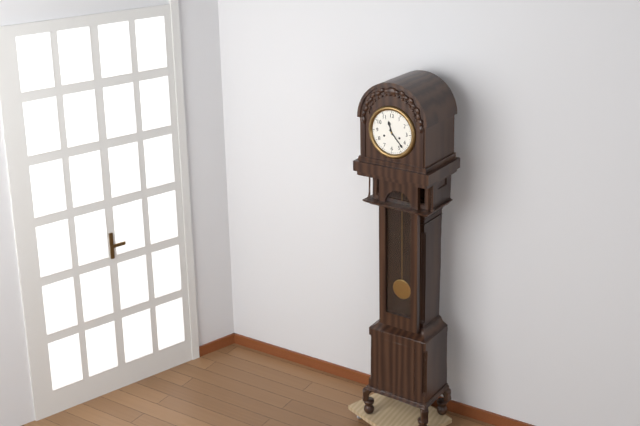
11:23
